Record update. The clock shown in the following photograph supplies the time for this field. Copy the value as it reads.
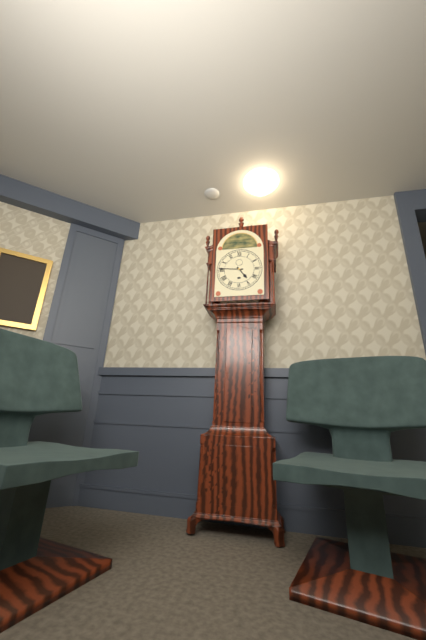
4:46
